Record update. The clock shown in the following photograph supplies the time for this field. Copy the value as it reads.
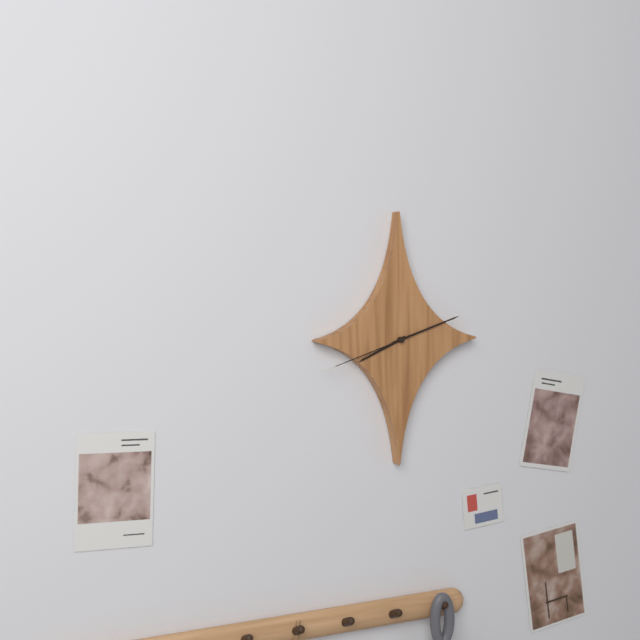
8:12:42
